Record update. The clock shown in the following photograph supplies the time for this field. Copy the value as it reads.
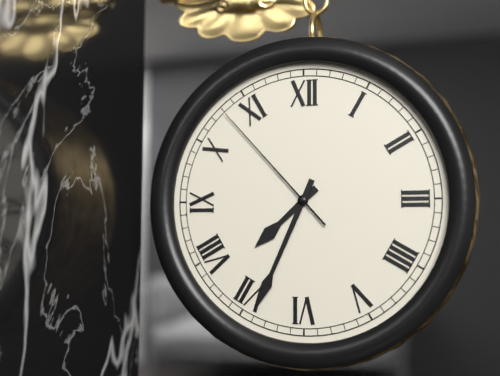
7:34:53
